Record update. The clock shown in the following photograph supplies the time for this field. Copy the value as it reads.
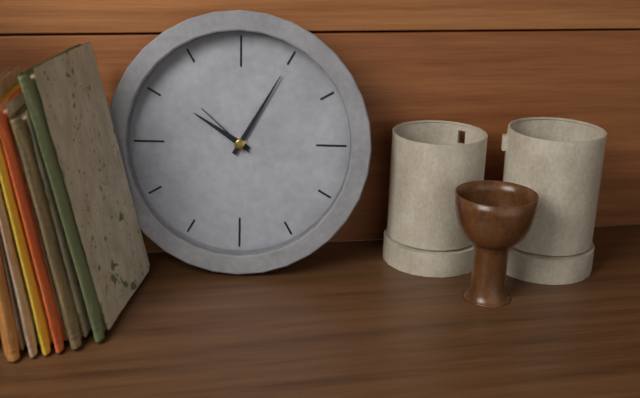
10:05:52
